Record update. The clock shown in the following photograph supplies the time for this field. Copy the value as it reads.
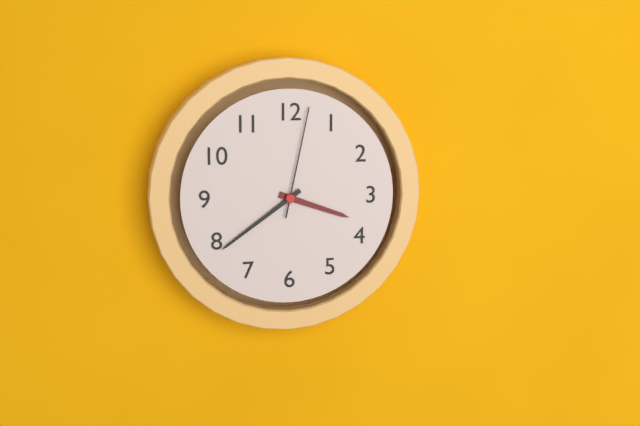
3:39:02
